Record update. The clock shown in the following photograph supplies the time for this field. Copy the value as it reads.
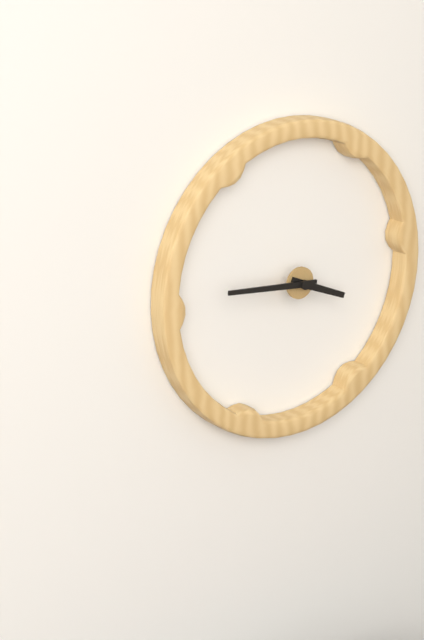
3:46
